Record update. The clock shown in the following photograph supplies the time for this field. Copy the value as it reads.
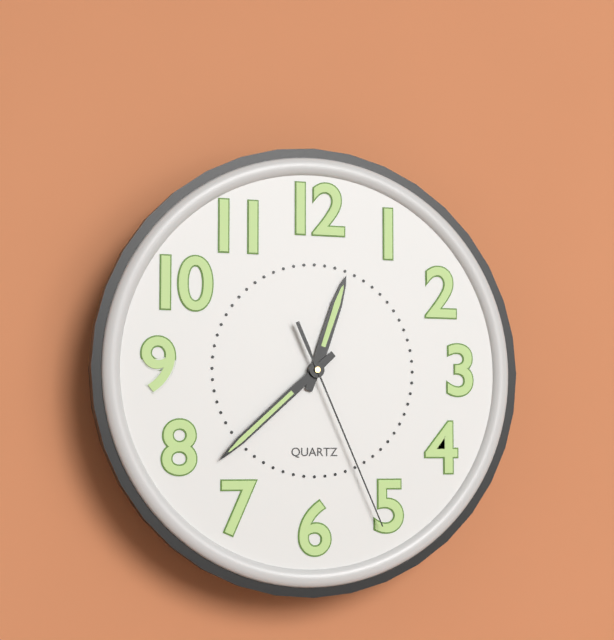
12:38:26
